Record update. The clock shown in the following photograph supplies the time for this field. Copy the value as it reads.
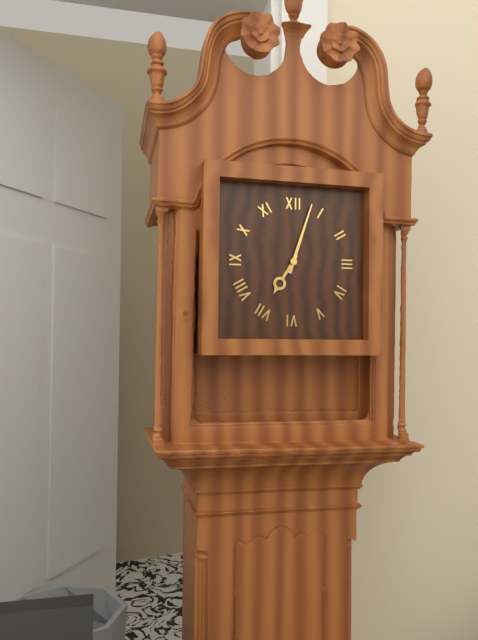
7:03
